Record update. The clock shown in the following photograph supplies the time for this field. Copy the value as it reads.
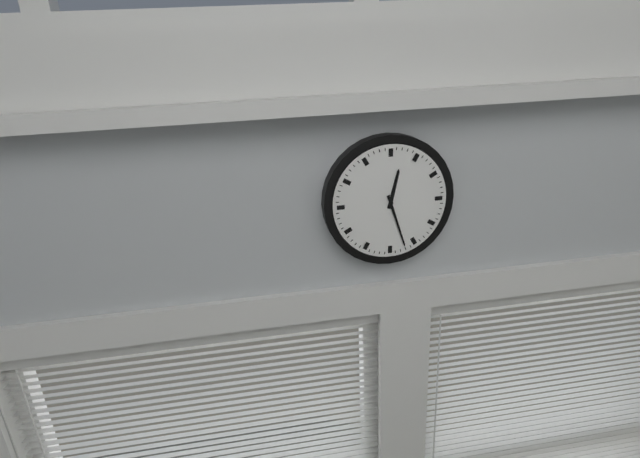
12:27
